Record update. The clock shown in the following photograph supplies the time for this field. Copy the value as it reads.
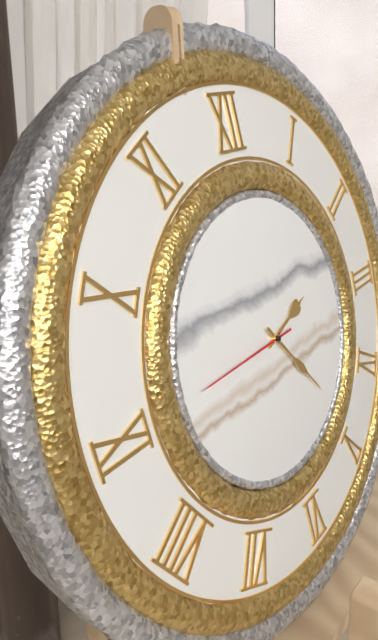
2:24:45
